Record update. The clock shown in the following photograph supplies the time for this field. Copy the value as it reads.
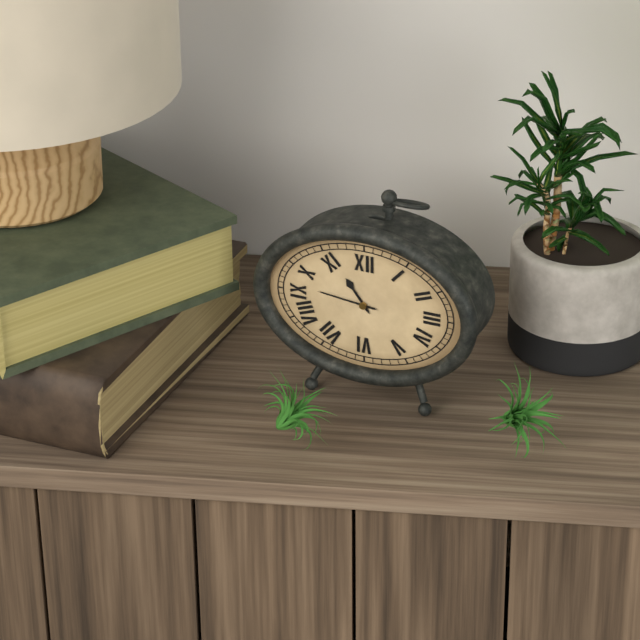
10:46
